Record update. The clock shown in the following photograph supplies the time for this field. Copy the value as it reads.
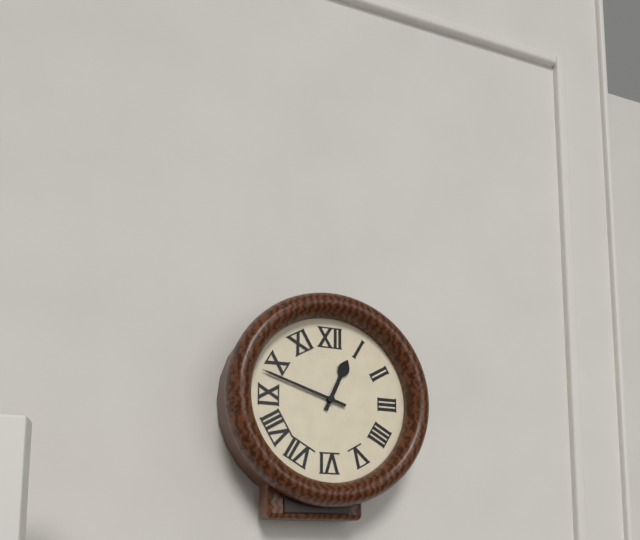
12:48
